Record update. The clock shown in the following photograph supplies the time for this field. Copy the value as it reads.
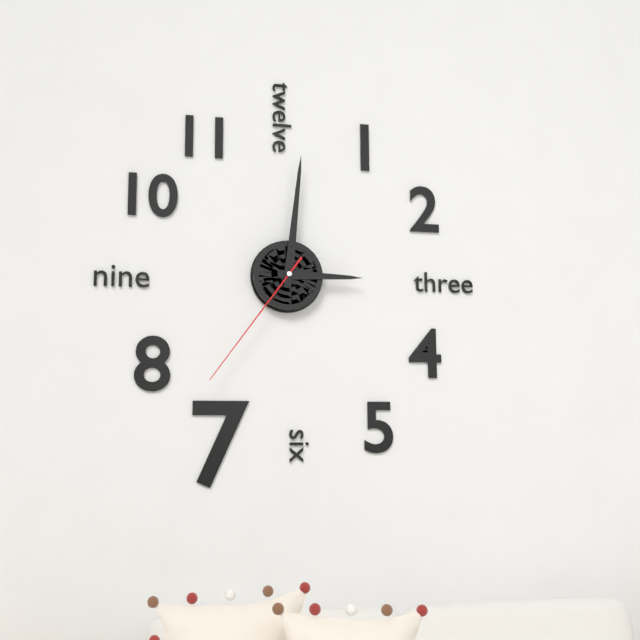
3:01:36
